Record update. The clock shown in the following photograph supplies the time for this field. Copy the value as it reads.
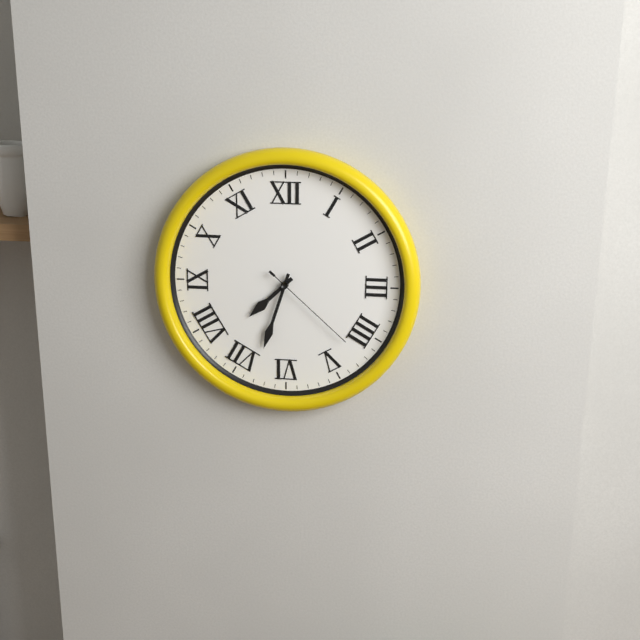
7:33:22
